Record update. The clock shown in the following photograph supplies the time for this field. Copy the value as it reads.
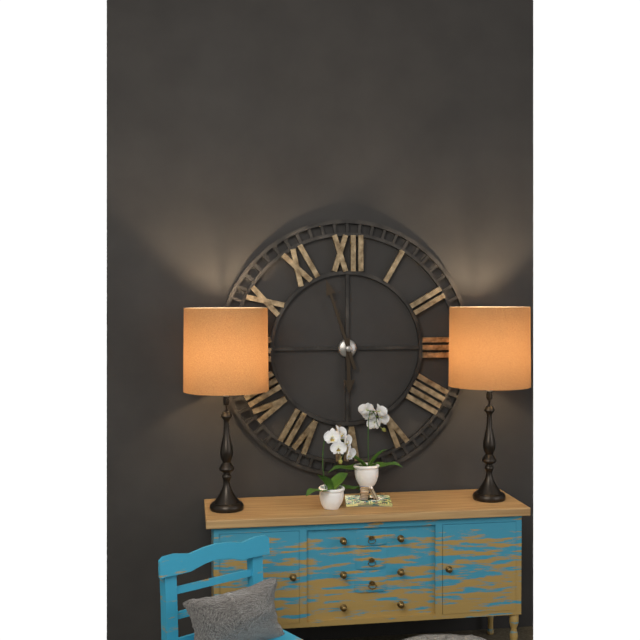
5:57
